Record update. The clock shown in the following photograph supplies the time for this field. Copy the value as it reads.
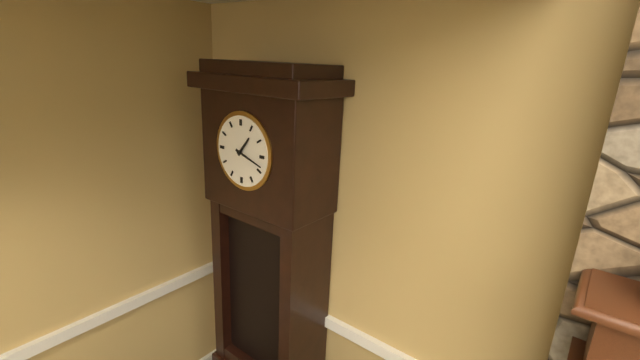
1:18
